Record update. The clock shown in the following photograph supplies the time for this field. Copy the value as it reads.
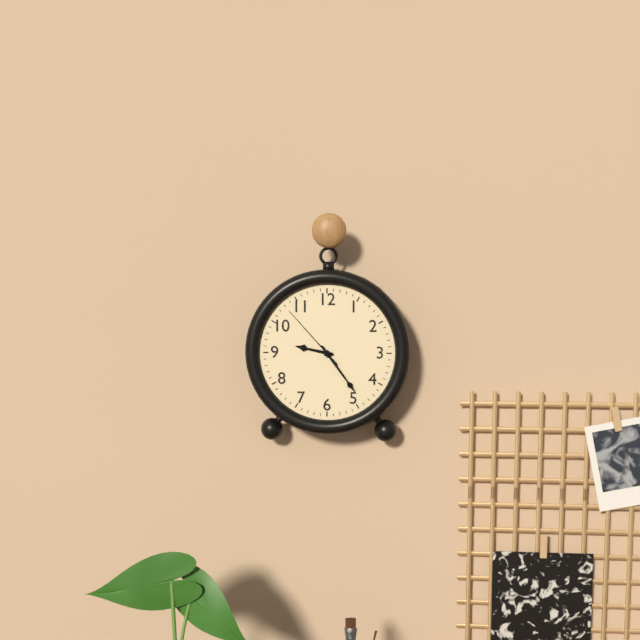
9:24:53
